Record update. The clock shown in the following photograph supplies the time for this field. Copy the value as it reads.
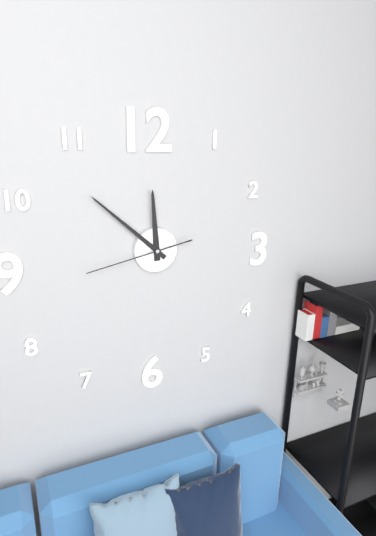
11:52:43
